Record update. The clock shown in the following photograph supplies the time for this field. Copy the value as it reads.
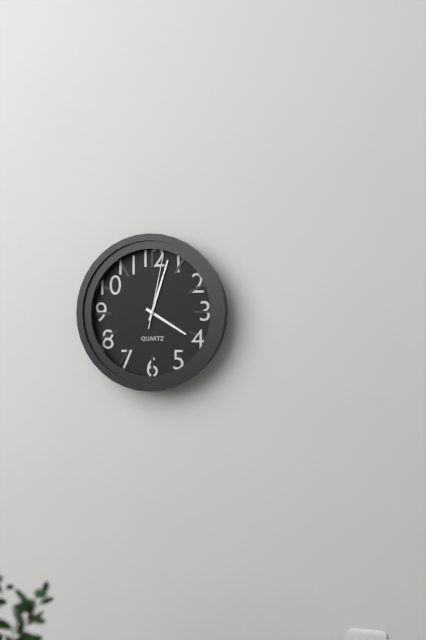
4:03:02
